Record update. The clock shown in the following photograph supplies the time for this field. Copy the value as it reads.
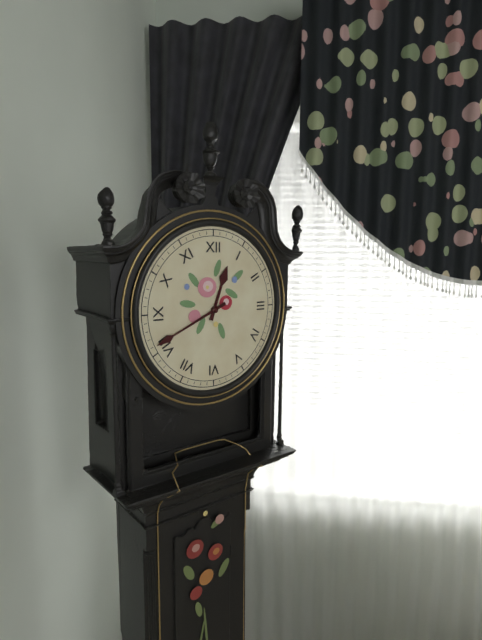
12:41
